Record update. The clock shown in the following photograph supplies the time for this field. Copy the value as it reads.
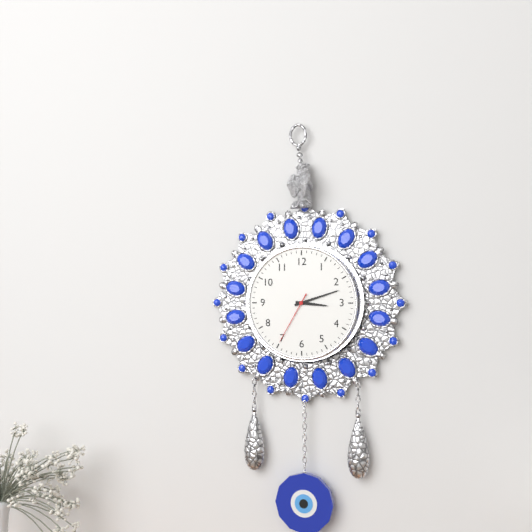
3:12:35
